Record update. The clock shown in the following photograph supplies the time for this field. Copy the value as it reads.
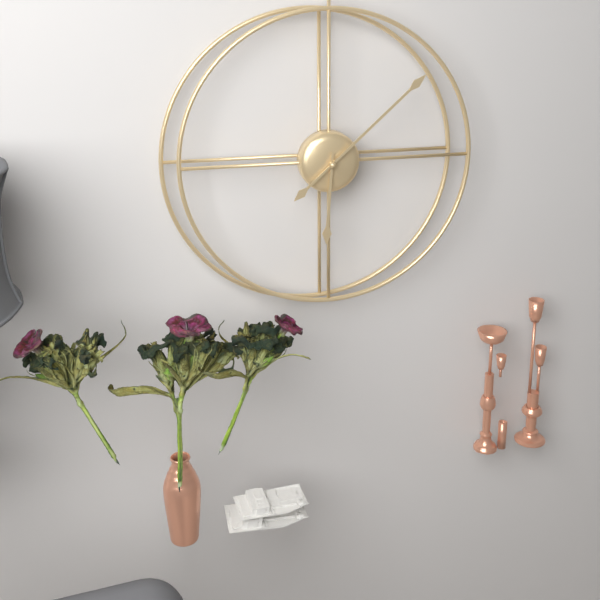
6:08
